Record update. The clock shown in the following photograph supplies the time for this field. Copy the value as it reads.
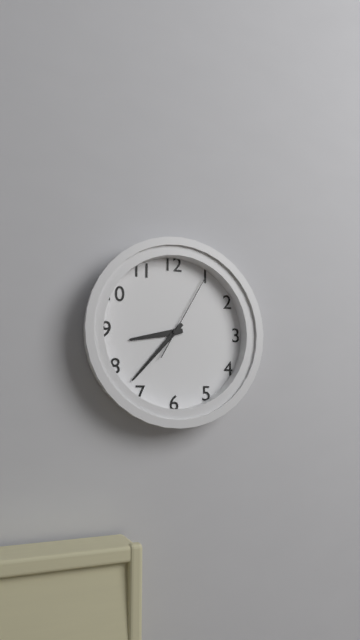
8:37:05
